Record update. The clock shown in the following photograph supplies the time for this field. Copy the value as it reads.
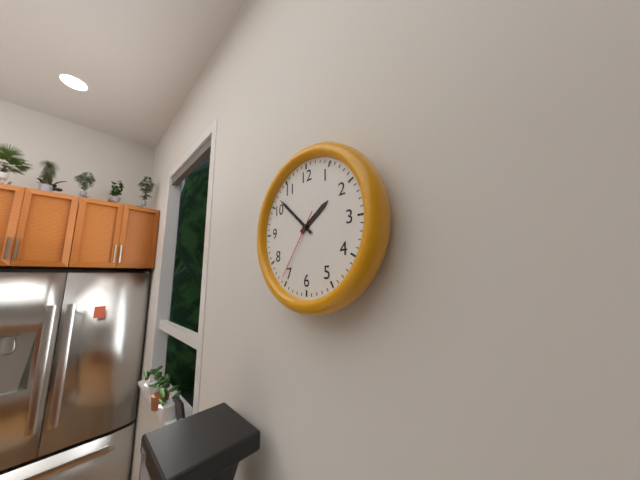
1:52:36
